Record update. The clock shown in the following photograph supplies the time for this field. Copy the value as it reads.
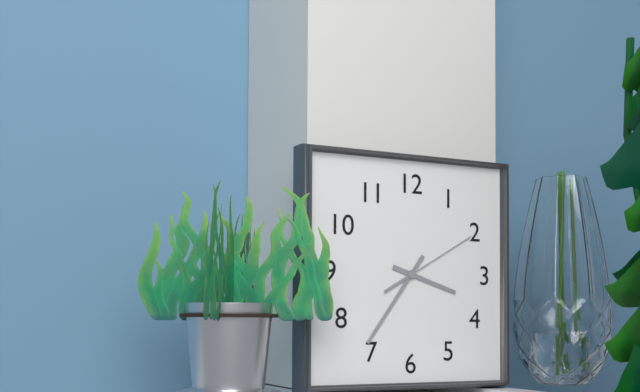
3:36:10
